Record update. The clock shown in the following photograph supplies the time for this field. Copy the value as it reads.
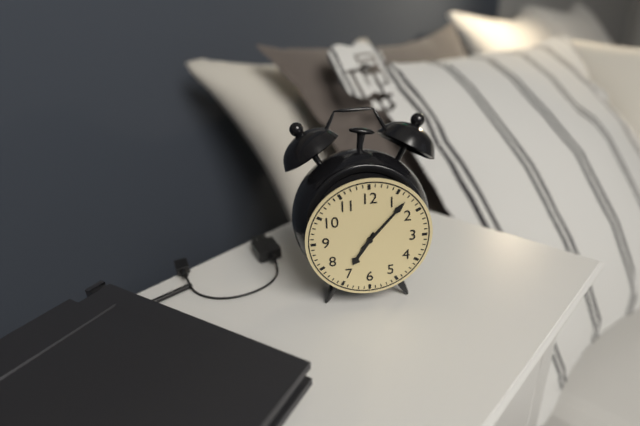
7:07
